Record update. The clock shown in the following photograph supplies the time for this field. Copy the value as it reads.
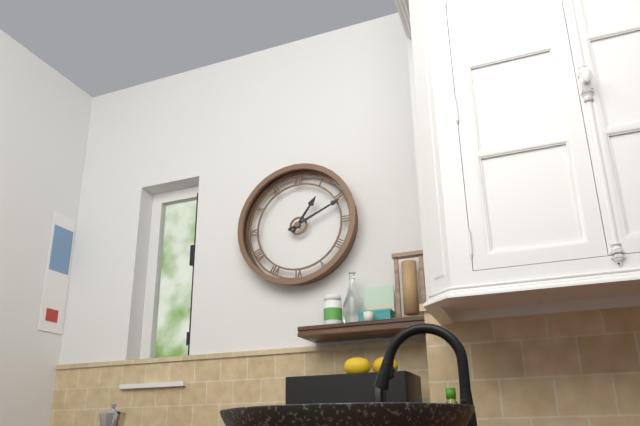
1:11
